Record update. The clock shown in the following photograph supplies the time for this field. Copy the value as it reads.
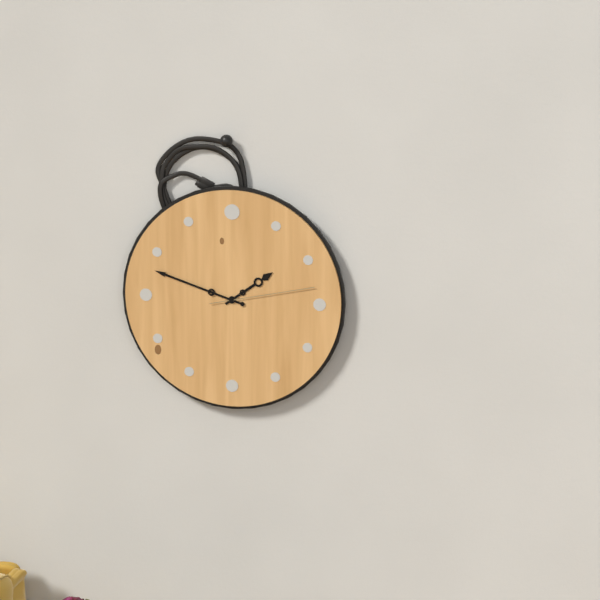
1:48:13
